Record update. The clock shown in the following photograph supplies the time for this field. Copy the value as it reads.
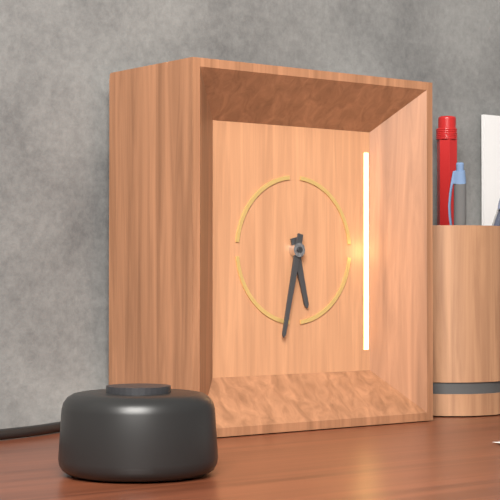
5:32
